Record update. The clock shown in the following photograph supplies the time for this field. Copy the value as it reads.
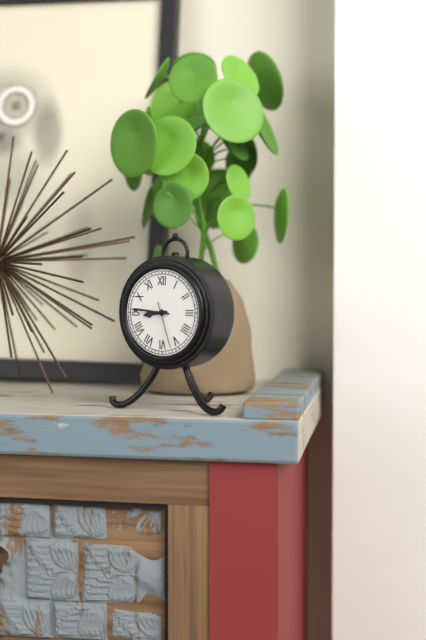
8:46
